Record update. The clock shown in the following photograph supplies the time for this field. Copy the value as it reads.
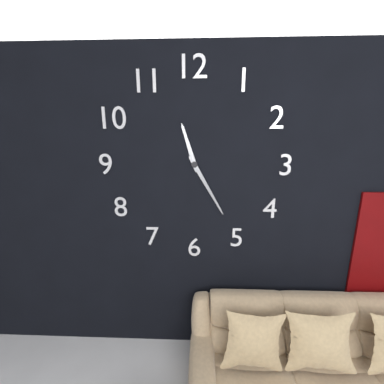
11:25
